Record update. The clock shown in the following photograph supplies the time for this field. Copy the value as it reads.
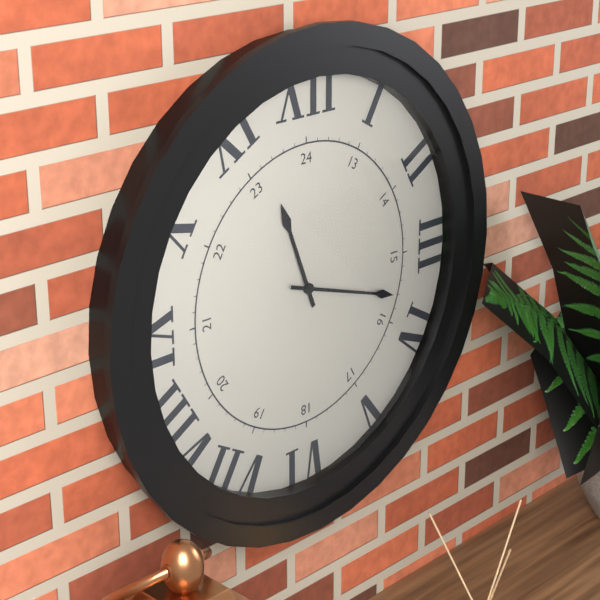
11:18
